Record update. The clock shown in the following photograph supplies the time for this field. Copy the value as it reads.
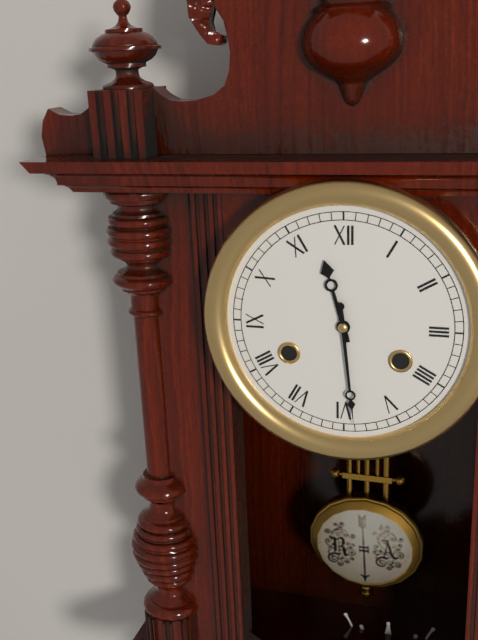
11:29
